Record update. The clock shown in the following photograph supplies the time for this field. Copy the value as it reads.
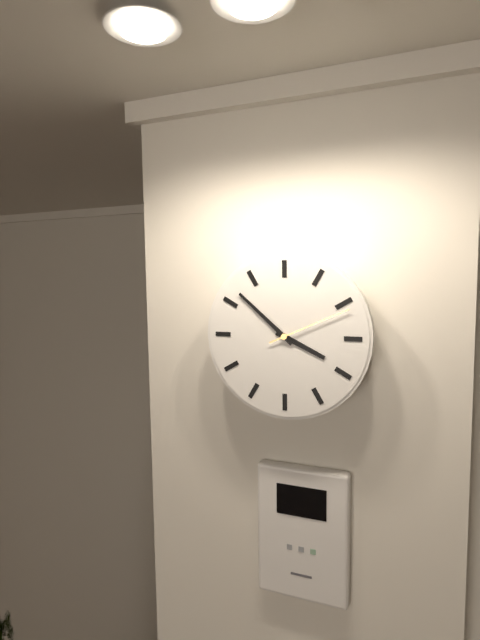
3:52:11
